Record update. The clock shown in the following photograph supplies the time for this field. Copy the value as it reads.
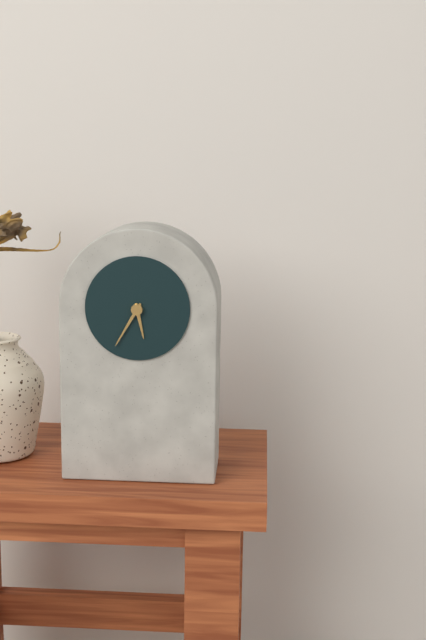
5:35
